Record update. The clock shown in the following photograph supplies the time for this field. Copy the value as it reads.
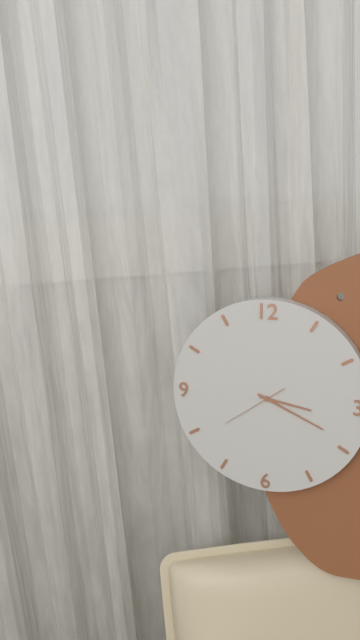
3:19:39
